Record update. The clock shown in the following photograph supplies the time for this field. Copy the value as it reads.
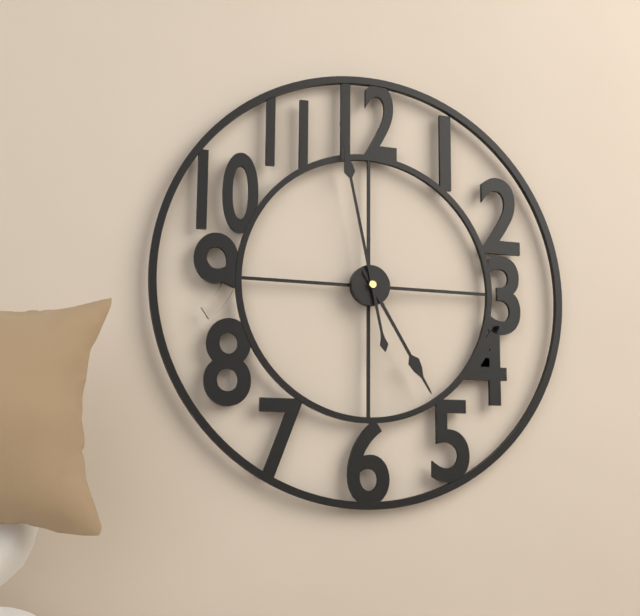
4:58
